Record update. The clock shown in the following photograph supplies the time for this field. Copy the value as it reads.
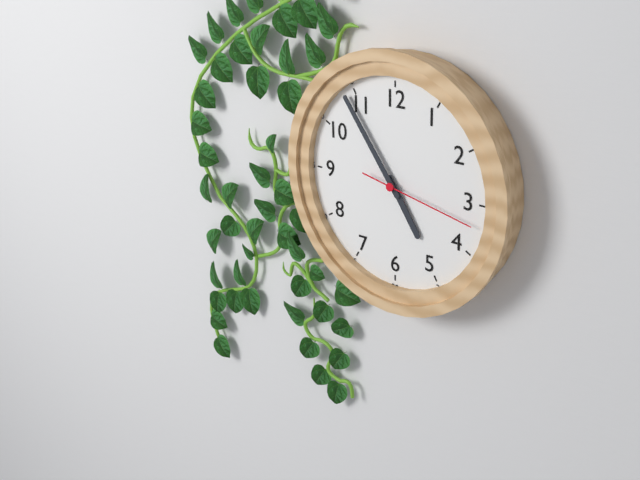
4:54:17
